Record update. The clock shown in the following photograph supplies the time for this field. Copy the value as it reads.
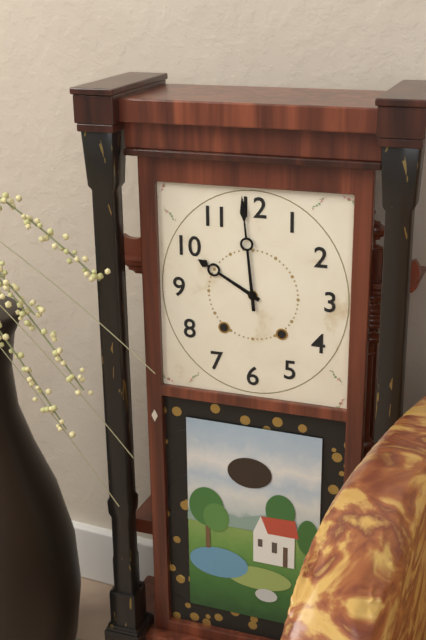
9:59
